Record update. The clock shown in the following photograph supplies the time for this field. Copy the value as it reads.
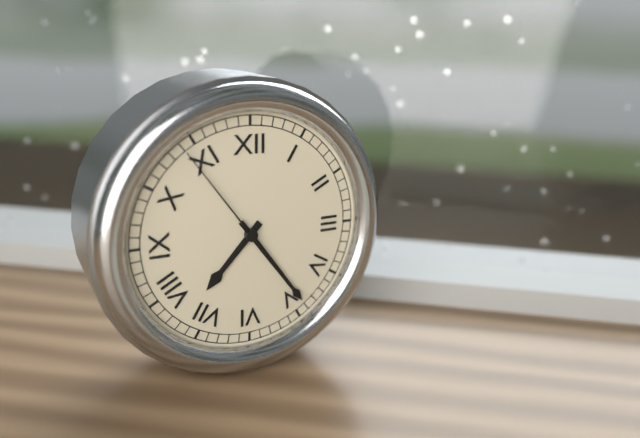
7:24:54
